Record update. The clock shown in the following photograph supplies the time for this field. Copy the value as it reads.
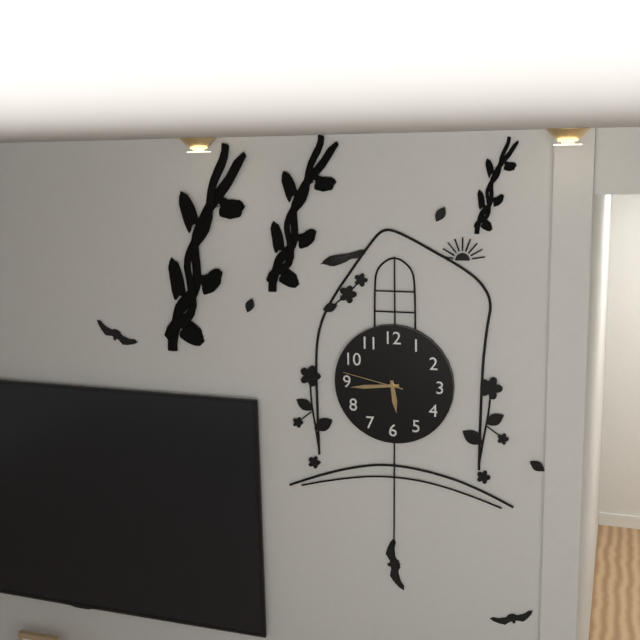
5:44:47
